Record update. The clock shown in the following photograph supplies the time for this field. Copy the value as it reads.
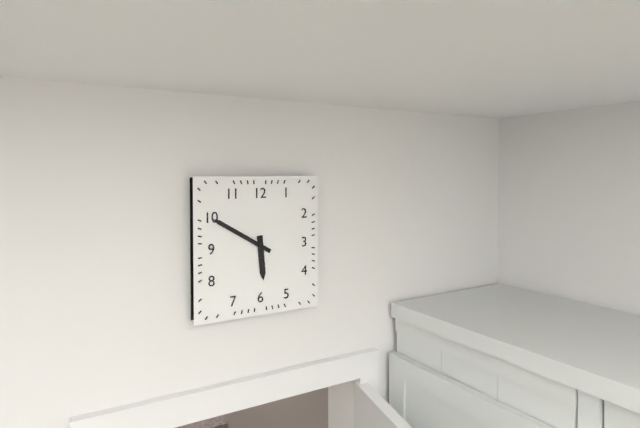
5:50
